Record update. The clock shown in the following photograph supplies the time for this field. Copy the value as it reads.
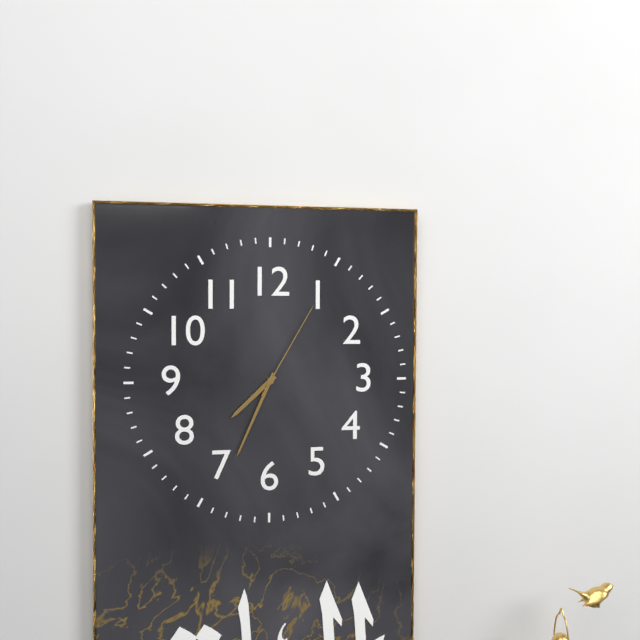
7:34:05
